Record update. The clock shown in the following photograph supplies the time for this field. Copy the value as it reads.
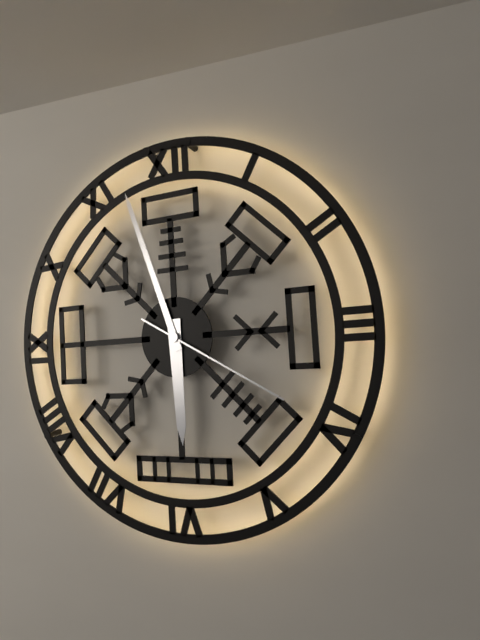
5:57:20
